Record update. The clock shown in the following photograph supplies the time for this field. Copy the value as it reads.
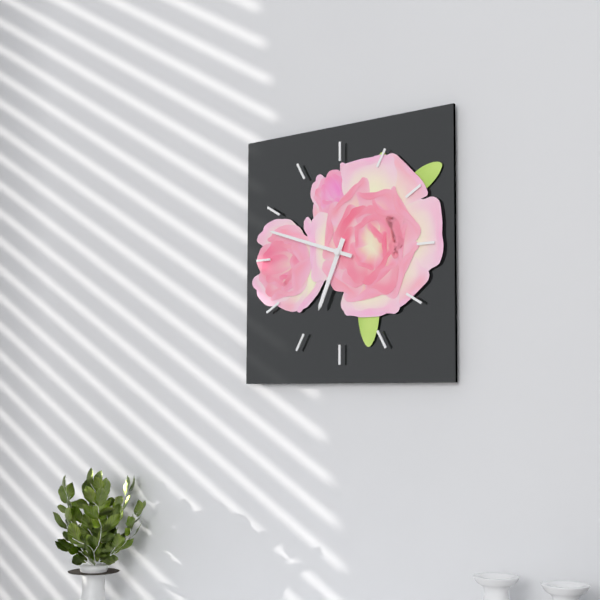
6:48
